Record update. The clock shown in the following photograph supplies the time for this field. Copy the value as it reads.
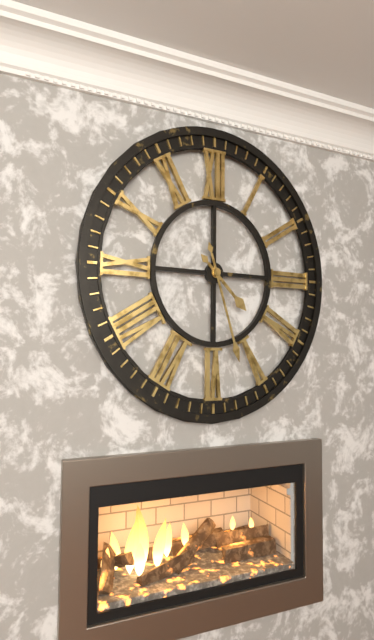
4:27
